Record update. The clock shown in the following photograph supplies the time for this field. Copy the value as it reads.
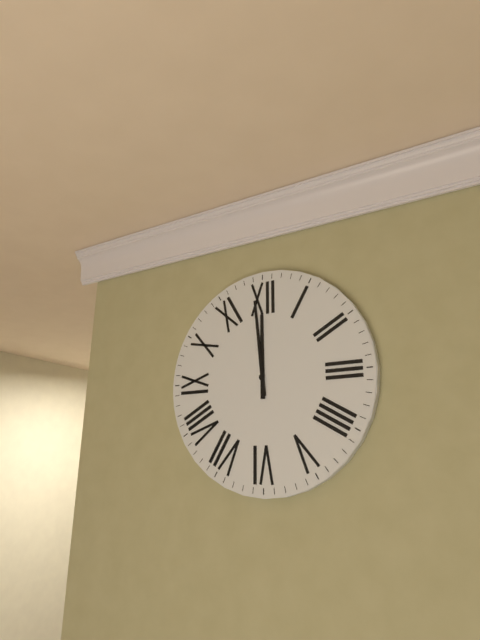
11:59
